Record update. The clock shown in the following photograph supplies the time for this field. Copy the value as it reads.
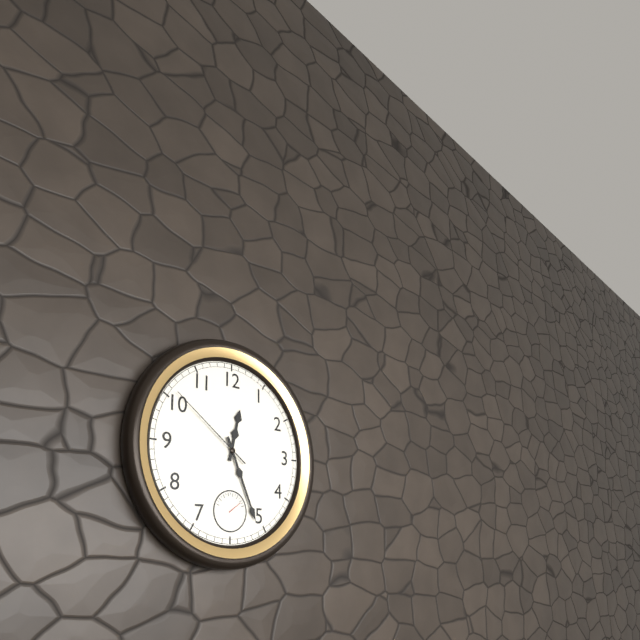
12:26:51
